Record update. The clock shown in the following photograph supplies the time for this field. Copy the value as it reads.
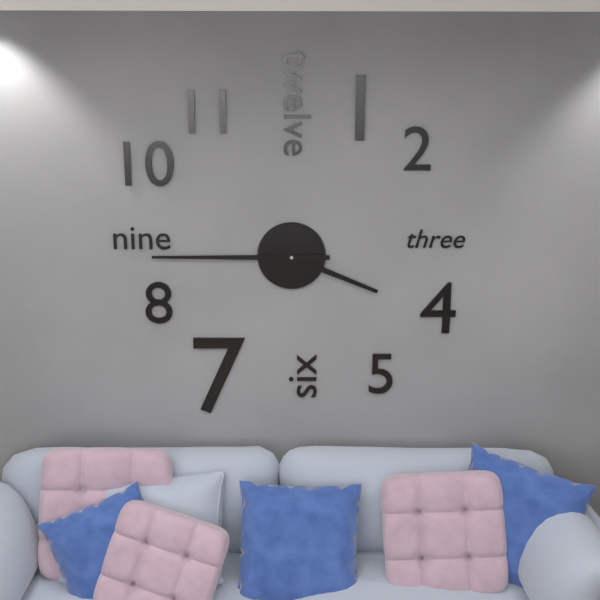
3:45
